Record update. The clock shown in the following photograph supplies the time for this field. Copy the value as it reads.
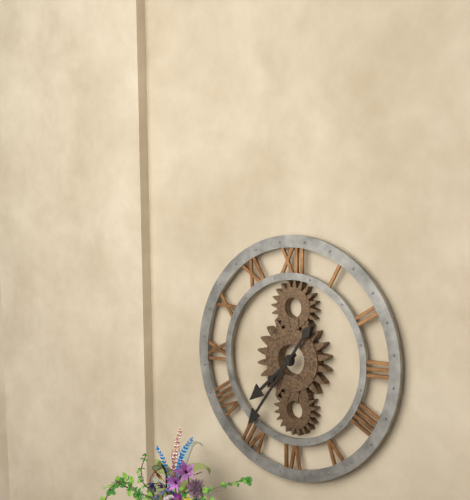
7:36
